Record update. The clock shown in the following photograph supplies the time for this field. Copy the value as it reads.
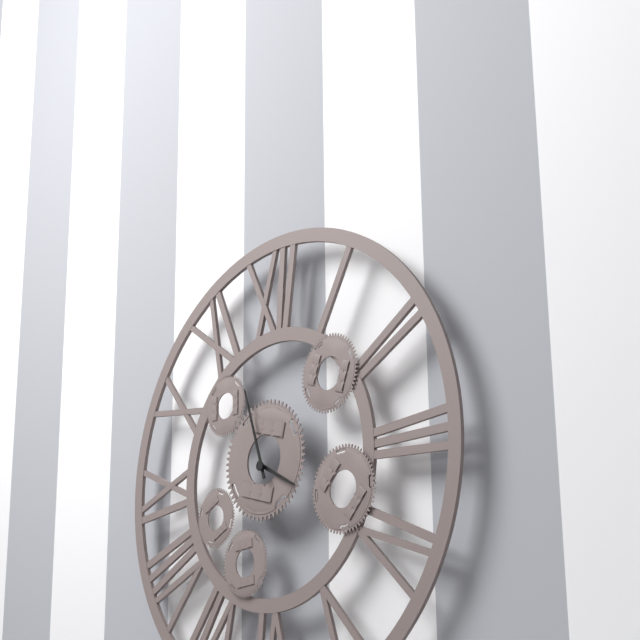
3:57
